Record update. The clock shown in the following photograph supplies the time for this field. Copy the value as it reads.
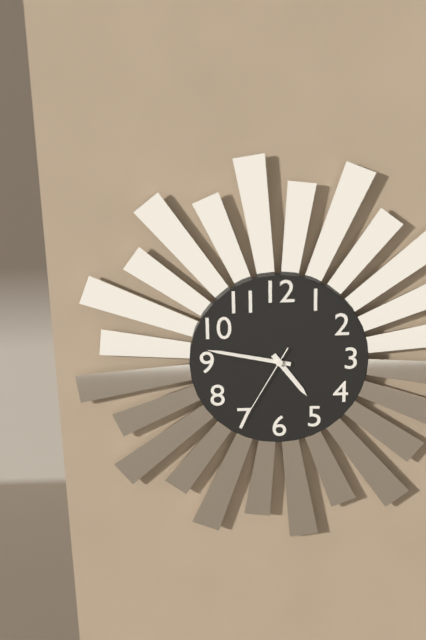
4:47:35
